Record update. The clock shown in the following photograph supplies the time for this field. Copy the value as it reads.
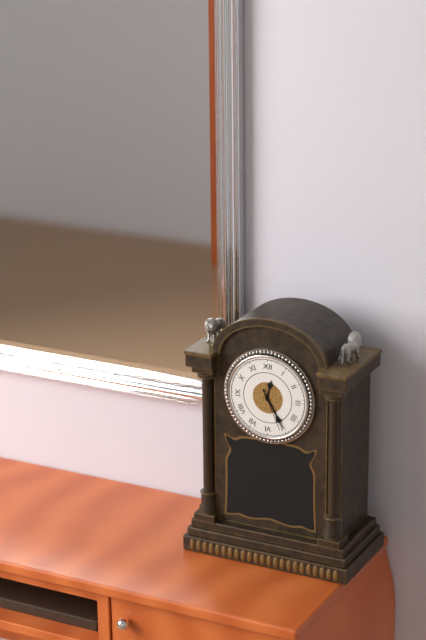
12:25
